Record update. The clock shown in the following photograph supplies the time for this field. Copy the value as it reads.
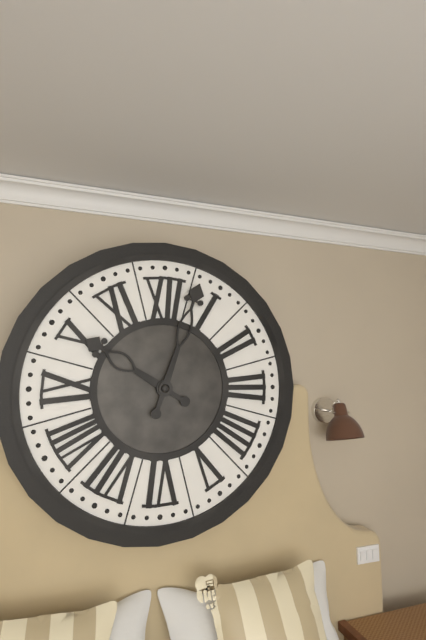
10:03
